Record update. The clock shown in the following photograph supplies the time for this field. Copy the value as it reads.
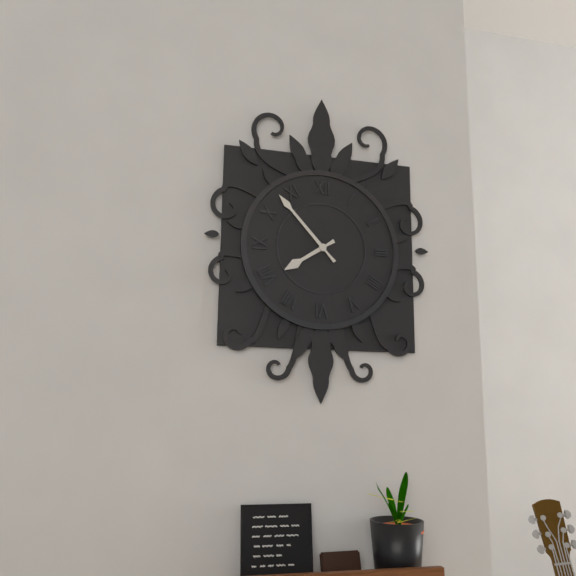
7:53
